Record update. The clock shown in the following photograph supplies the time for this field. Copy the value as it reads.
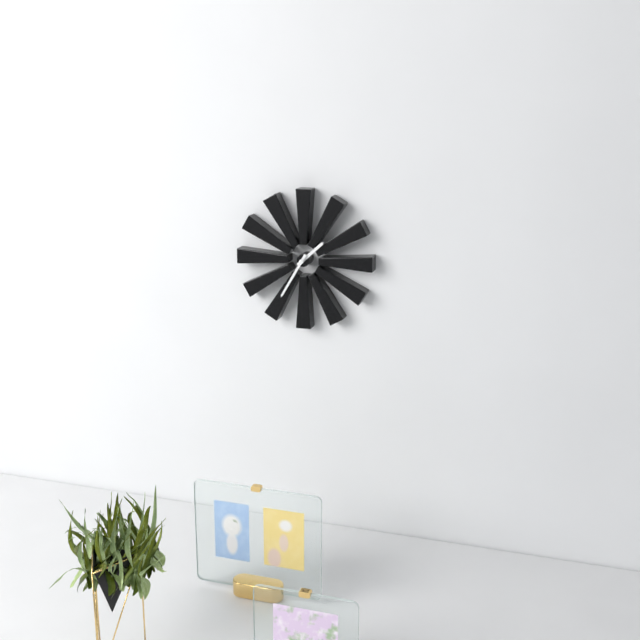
1:35
